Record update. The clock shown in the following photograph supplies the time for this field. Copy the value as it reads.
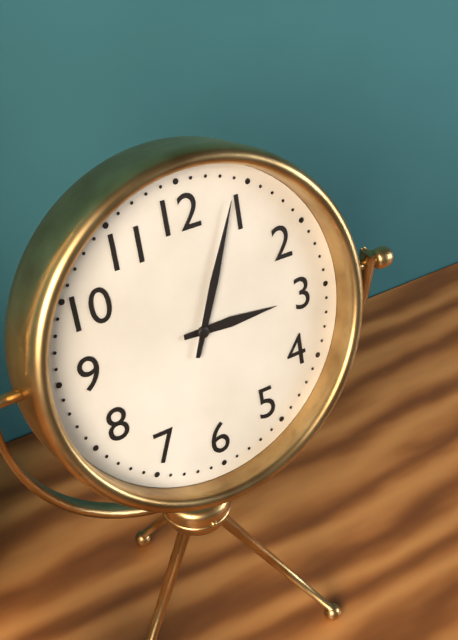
3:04
